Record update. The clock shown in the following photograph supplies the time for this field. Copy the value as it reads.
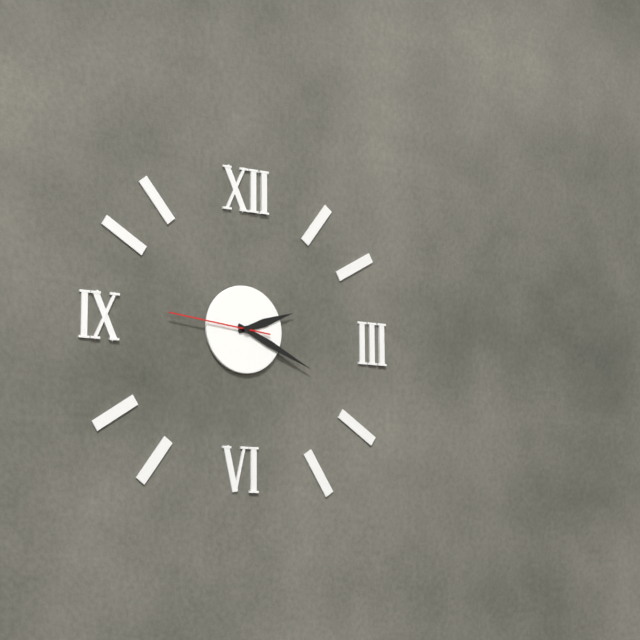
2:19:46
